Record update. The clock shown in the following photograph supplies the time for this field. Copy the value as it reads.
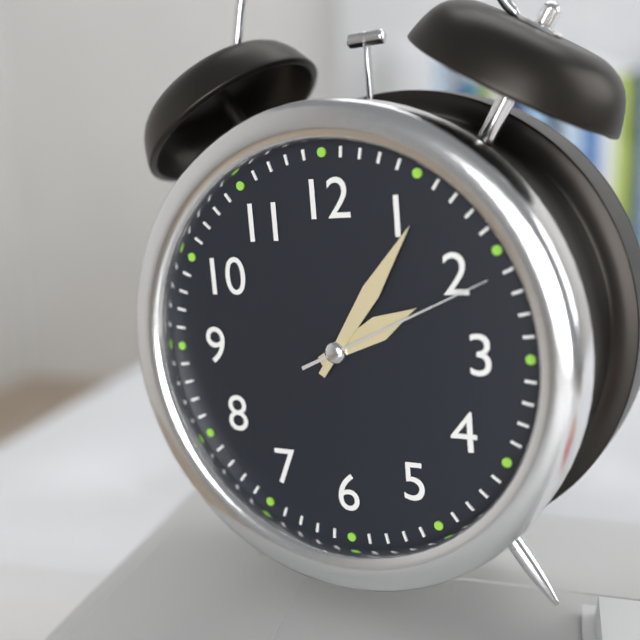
2:06:11
